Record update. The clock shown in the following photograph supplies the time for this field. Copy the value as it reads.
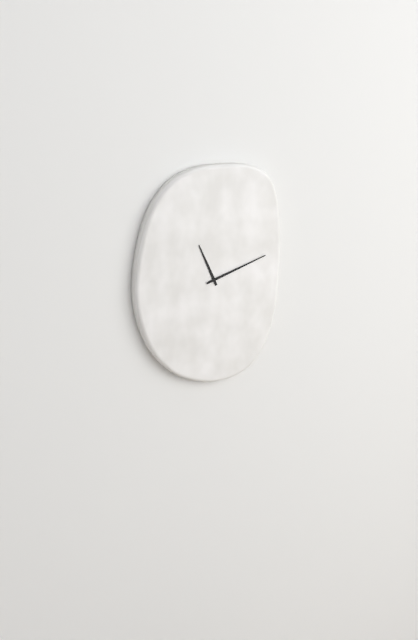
11:12
